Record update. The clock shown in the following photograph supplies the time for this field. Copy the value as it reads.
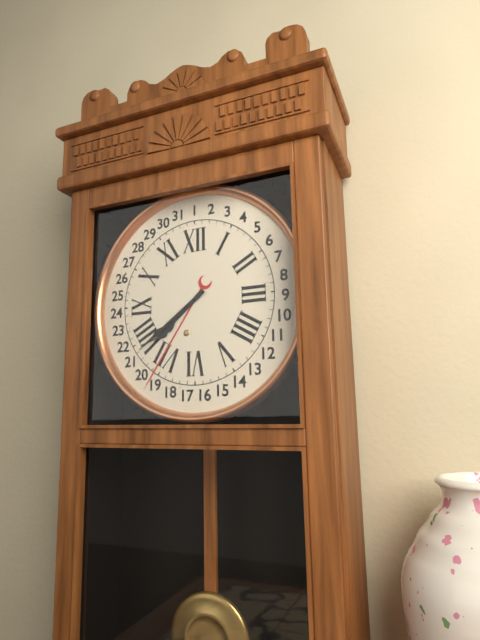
7:39
